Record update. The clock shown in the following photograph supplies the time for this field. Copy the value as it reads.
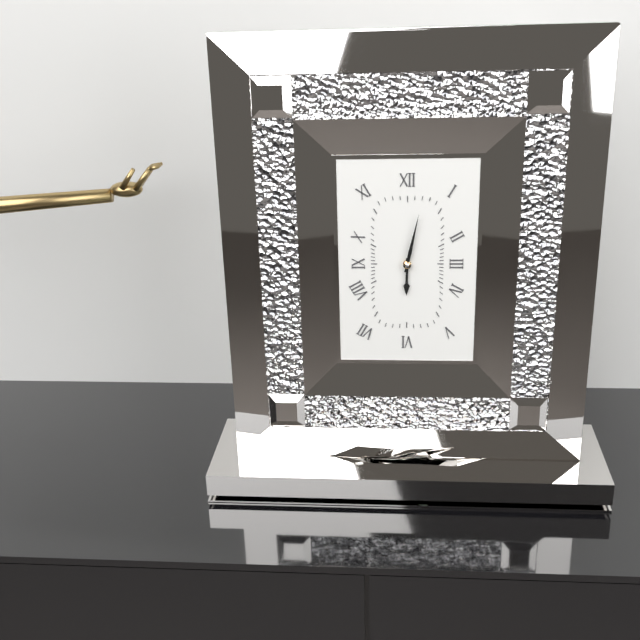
6:02
